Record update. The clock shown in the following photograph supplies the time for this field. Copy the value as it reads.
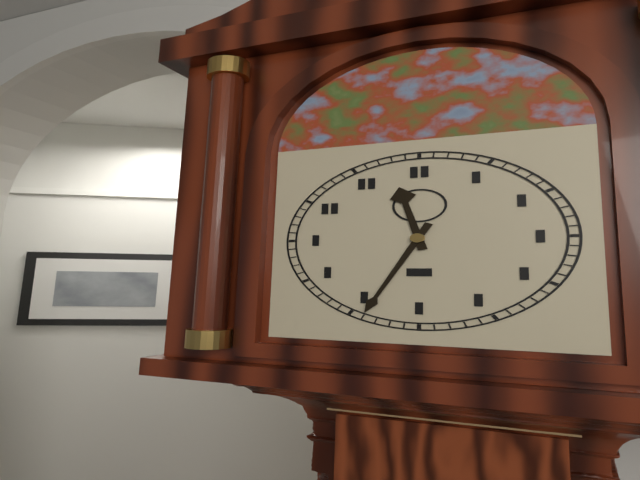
11:34
